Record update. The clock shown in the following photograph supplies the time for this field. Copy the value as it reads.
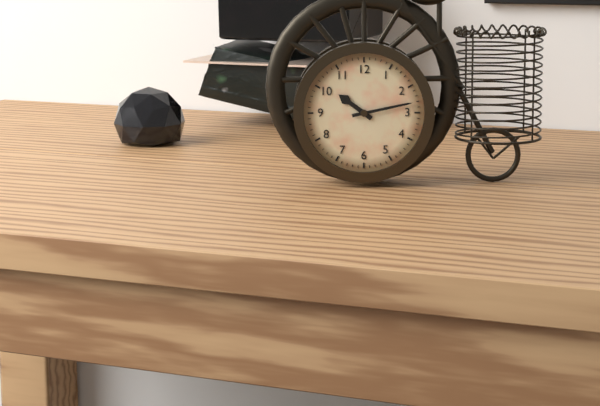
10:13
